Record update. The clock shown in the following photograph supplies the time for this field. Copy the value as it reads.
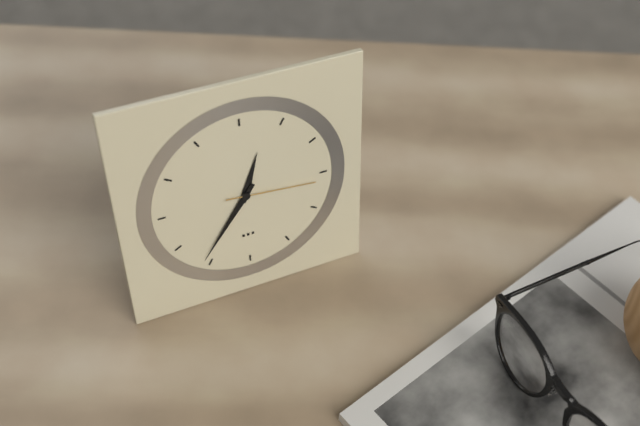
12:36:16
